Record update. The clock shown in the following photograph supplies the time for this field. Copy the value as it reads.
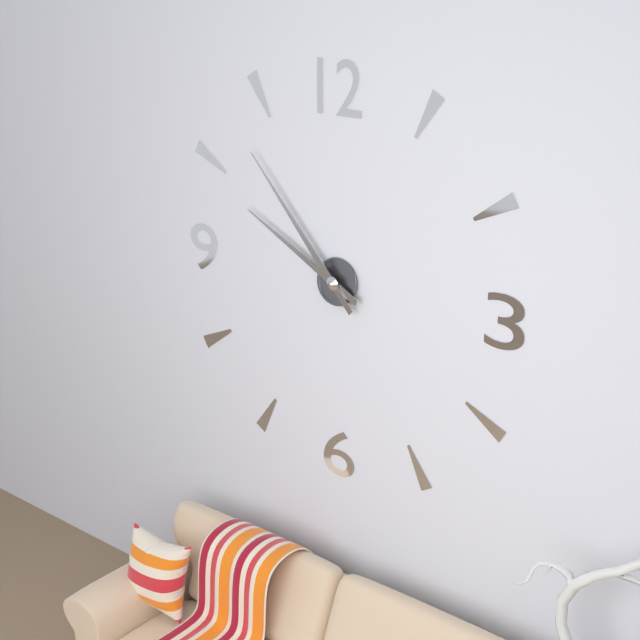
9:53
